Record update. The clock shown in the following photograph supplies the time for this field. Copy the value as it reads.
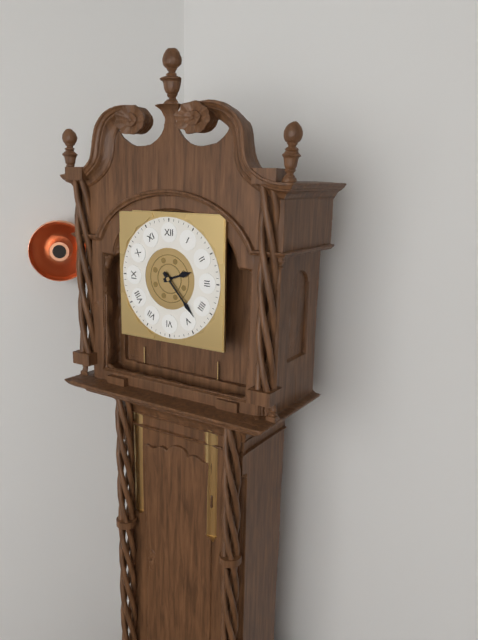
2:23
